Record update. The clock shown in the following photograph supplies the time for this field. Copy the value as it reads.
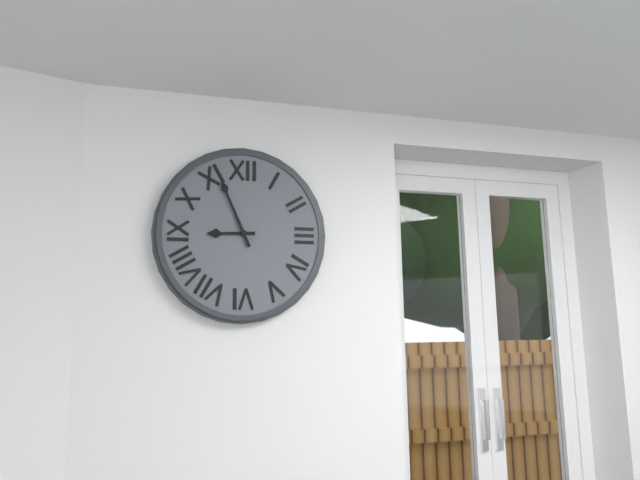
8:56
